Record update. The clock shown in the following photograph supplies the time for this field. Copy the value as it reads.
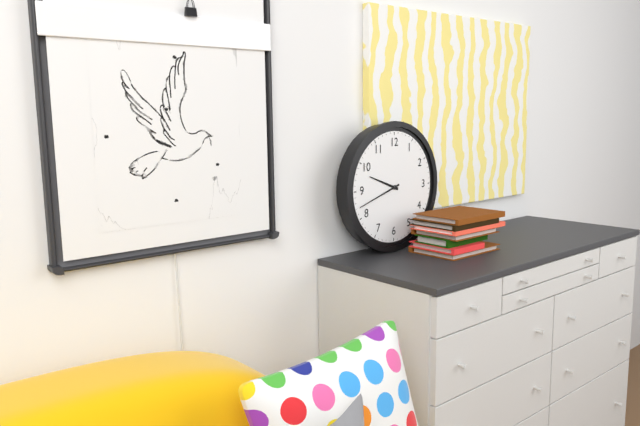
9:42
